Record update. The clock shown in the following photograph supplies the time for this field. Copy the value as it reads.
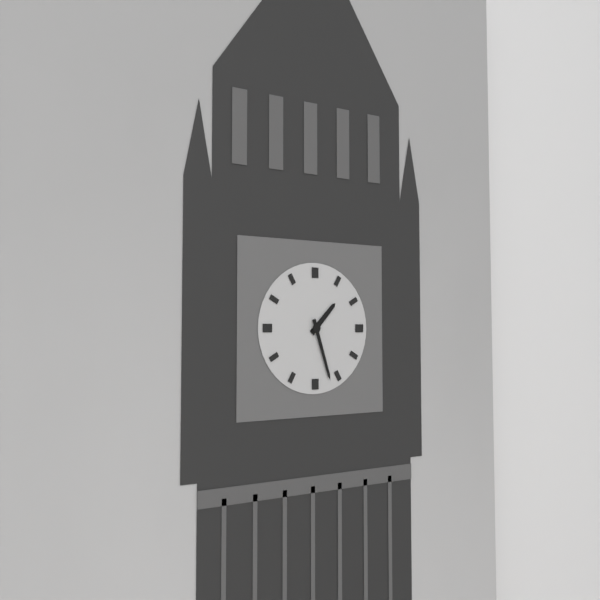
1:27
